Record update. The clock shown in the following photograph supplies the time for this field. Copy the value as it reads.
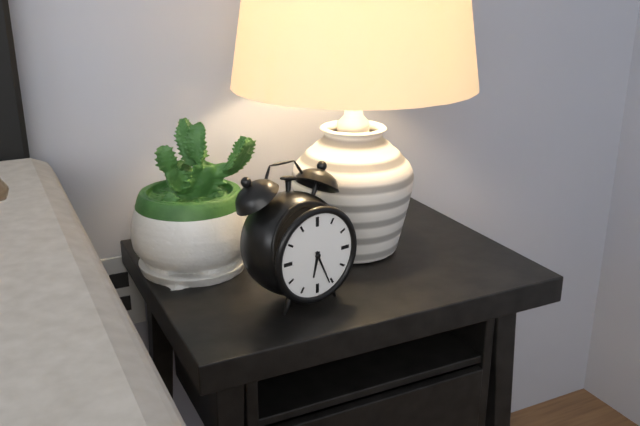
6:26
